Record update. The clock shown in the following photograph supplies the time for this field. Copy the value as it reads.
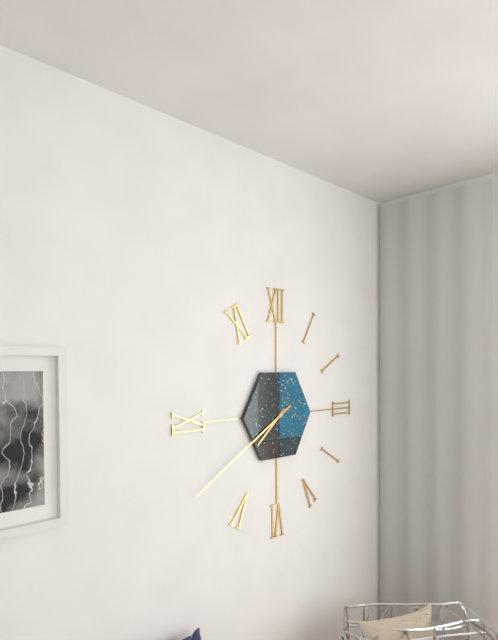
7:40
